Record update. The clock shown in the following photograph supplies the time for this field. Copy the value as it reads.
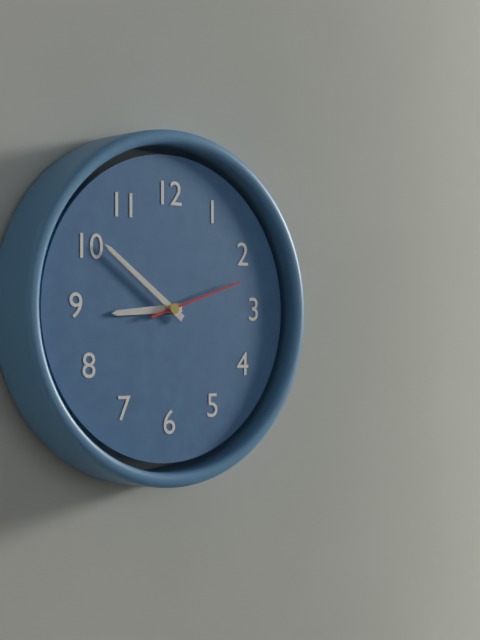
8:51:12
